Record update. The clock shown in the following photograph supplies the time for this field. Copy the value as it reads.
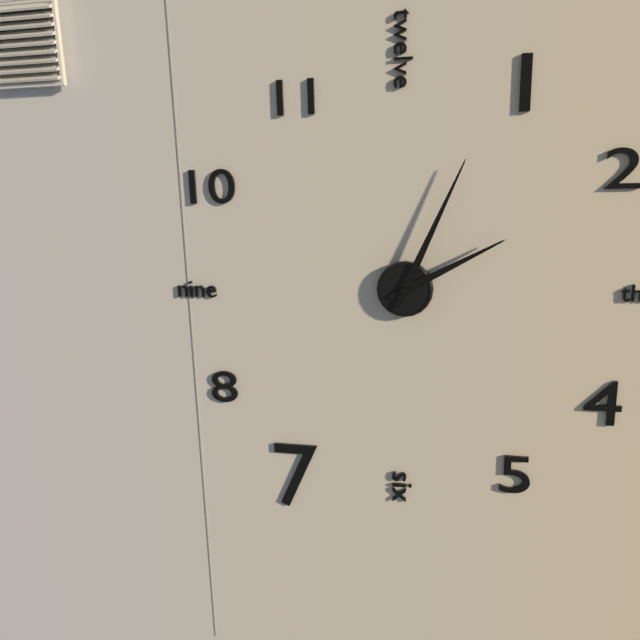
2:04
